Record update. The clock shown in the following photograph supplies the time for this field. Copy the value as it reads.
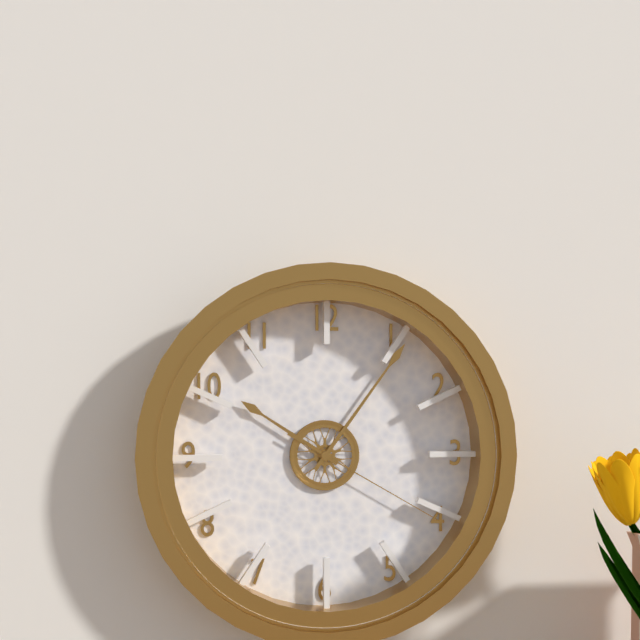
10:06:20
